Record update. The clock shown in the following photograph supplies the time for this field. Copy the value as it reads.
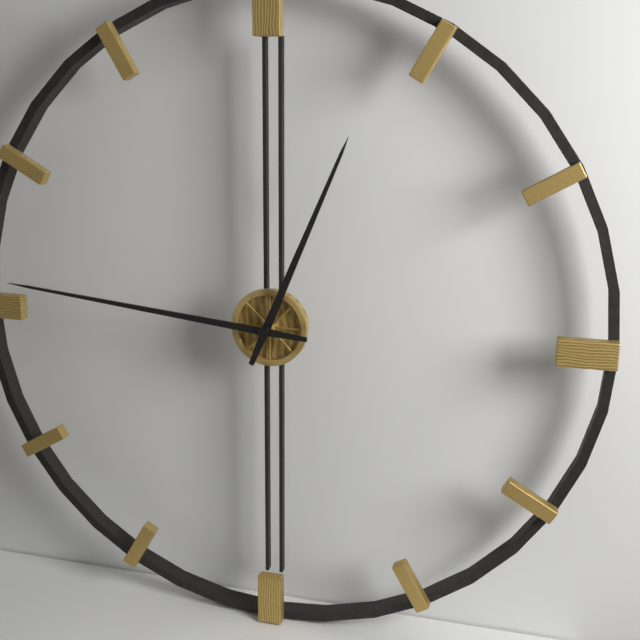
12:46
